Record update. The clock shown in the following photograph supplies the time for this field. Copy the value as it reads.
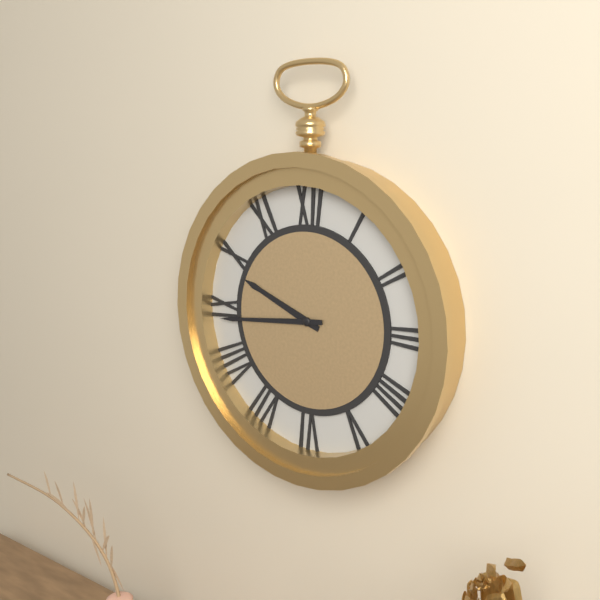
9:44
